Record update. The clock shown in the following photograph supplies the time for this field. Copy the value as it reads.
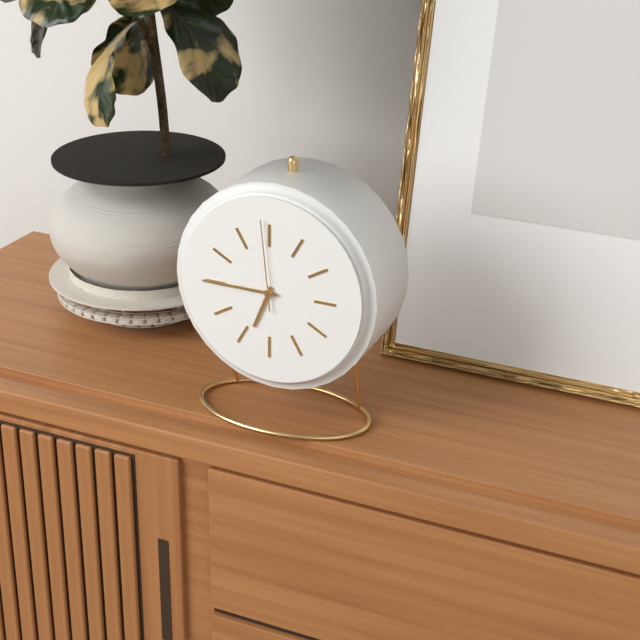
6:45:59
